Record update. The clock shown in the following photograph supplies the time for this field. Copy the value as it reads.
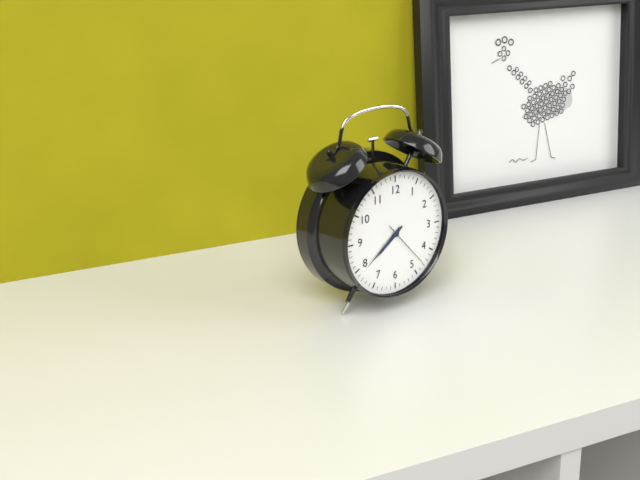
7:39
